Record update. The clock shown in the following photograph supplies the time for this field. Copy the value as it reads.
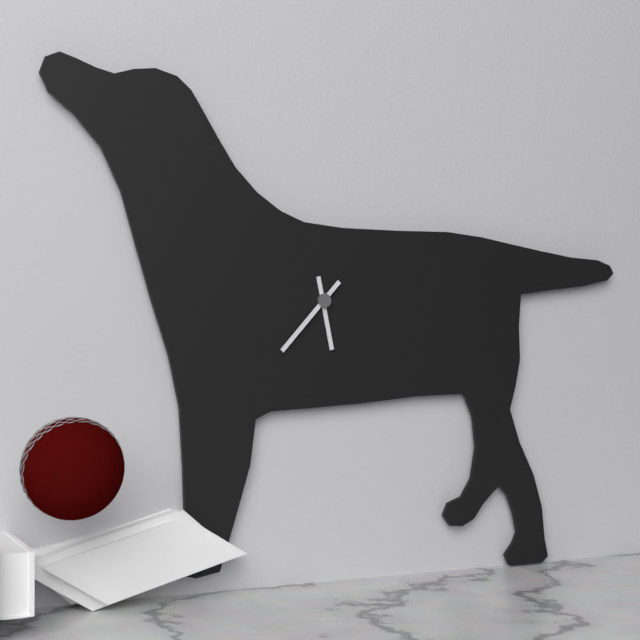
5:37
